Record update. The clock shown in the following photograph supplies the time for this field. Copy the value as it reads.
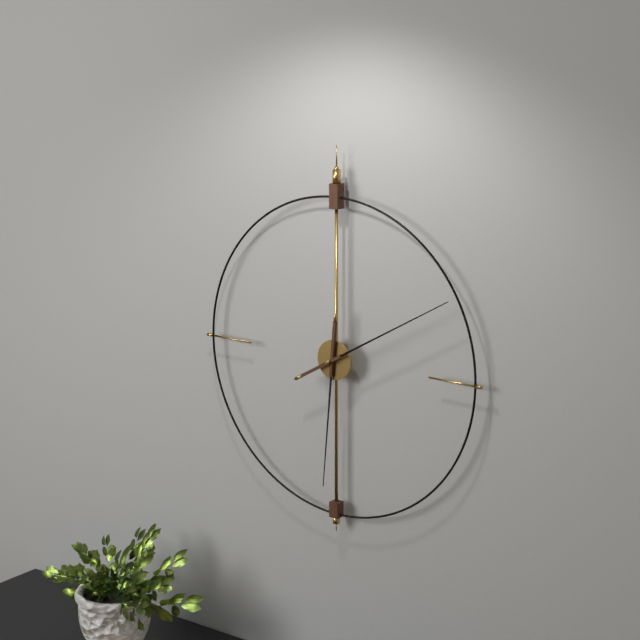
6:10
